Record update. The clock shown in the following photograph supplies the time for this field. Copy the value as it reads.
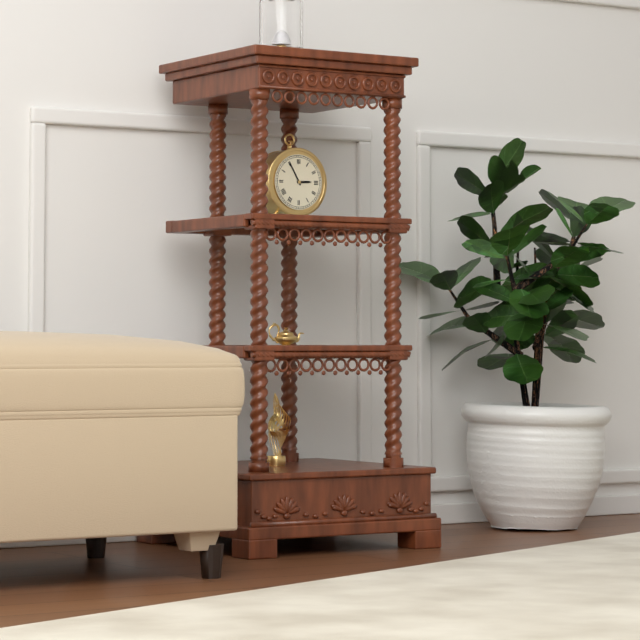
2:55
